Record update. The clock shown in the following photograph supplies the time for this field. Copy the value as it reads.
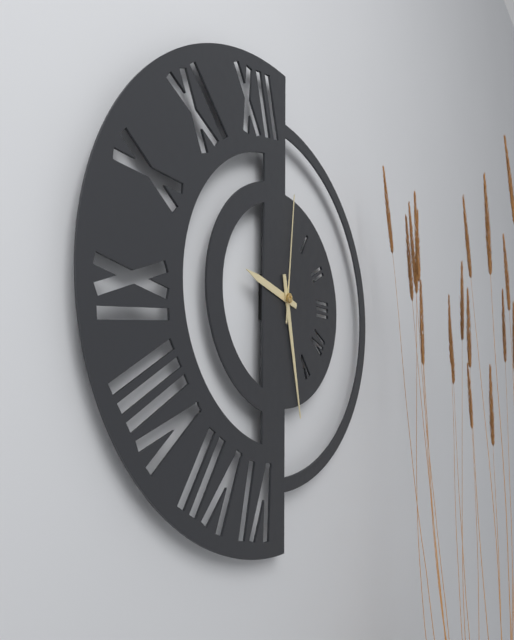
9:28:01
